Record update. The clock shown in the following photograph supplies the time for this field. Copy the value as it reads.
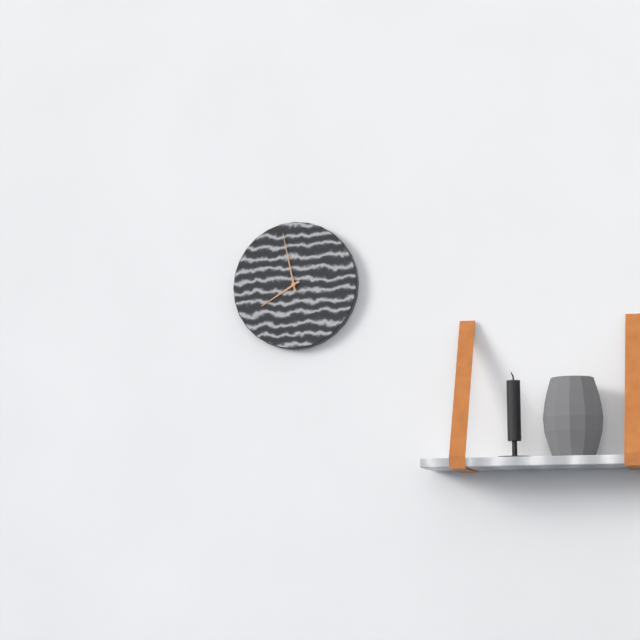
7:58
